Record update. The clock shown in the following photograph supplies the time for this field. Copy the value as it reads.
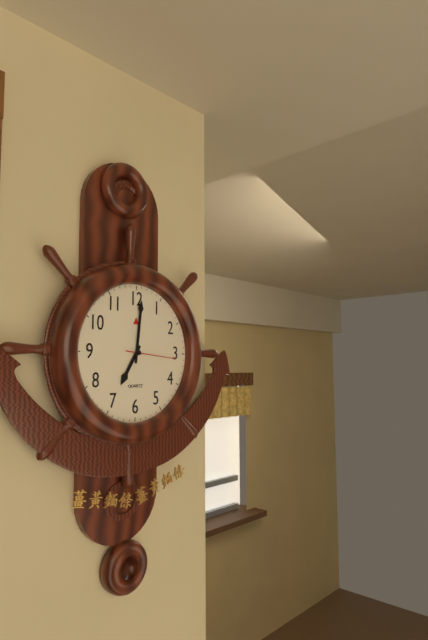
7:01
